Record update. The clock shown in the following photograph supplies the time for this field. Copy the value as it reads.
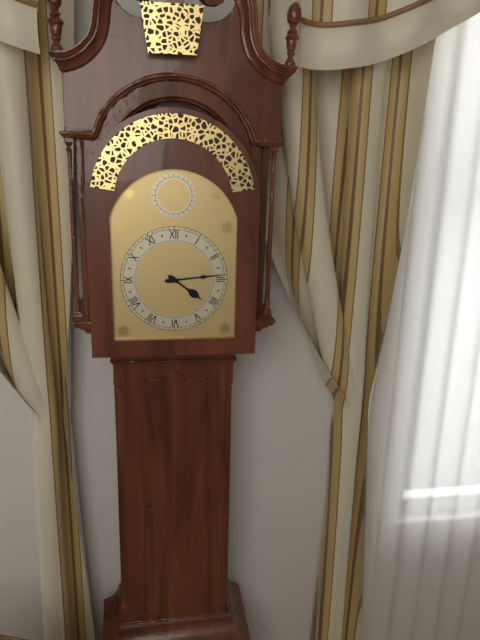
4:14
